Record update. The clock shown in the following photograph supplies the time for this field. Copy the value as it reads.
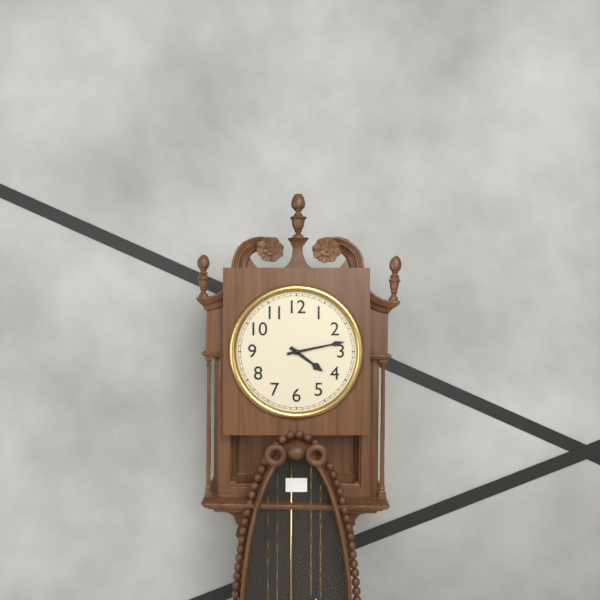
4:13
